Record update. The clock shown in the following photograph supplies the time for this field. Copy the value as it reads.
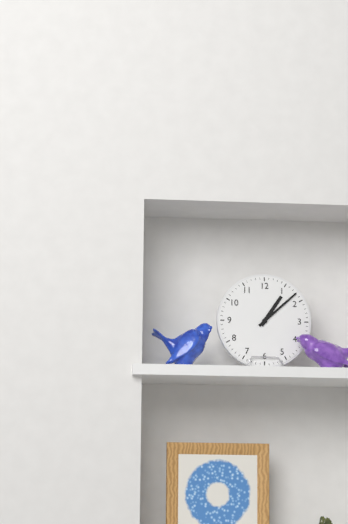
1:08
